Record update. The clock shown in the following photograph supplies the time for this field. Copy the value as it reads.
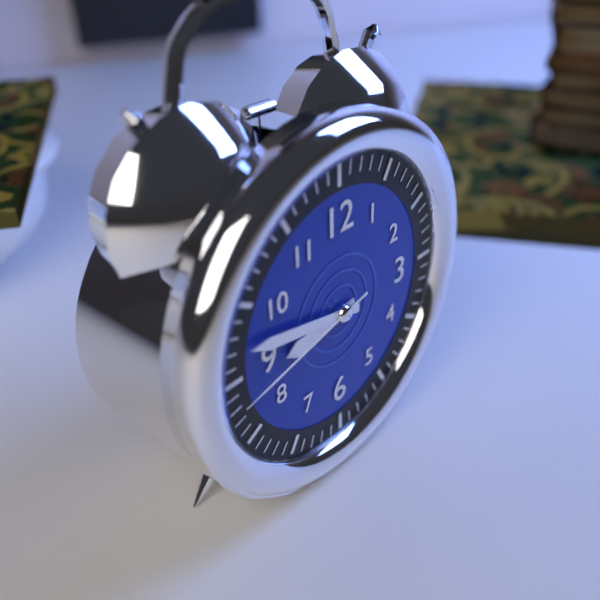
8:47:43
